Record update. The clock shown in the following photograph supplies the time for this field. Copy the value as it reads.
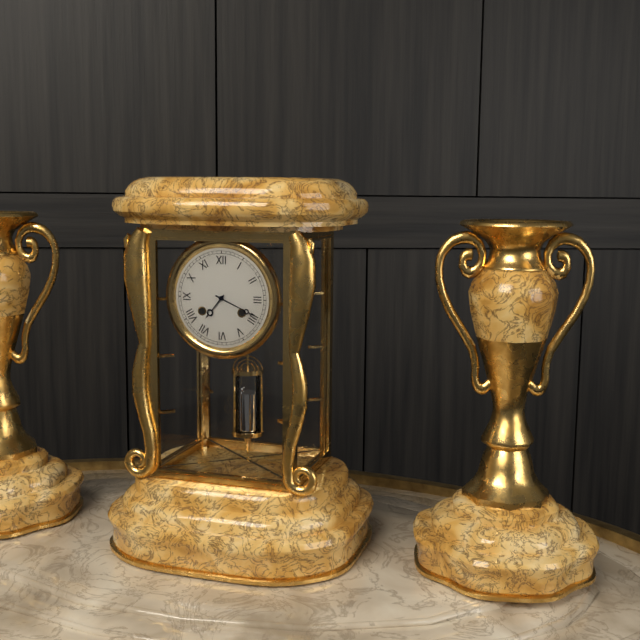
7:19
